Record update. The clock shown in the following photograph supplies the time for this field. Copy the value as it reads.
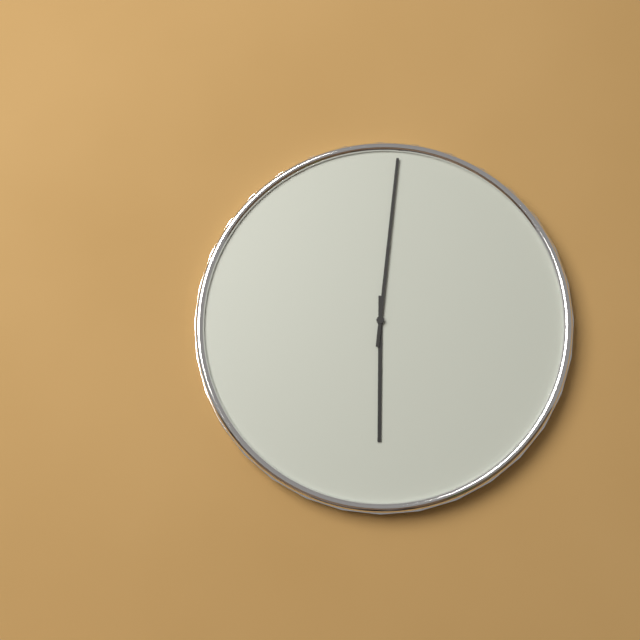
6:01
